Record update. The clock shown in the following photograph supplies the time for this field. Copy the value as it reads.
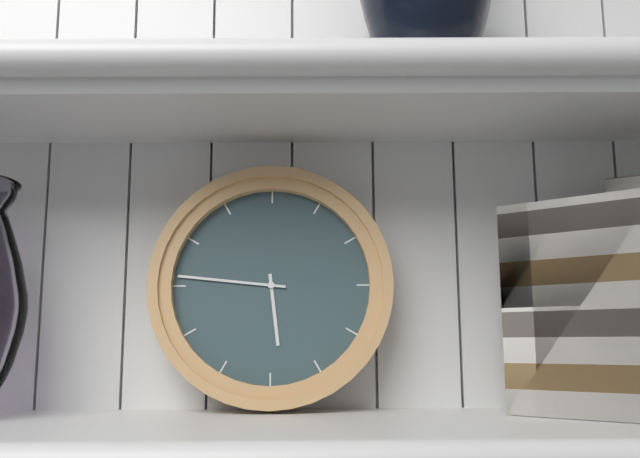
5:46
